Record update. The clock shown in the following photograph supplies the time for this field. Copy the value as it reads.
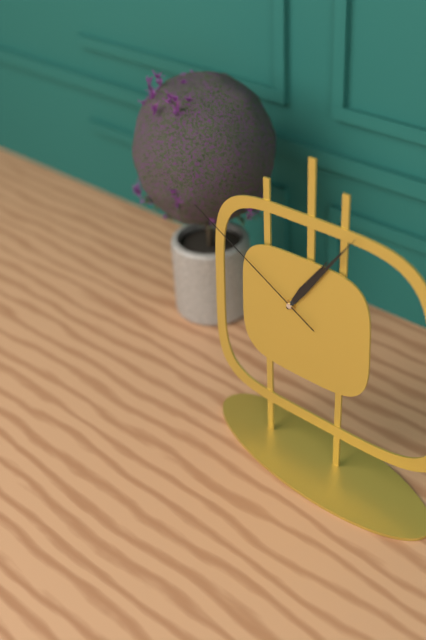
1:06:50
